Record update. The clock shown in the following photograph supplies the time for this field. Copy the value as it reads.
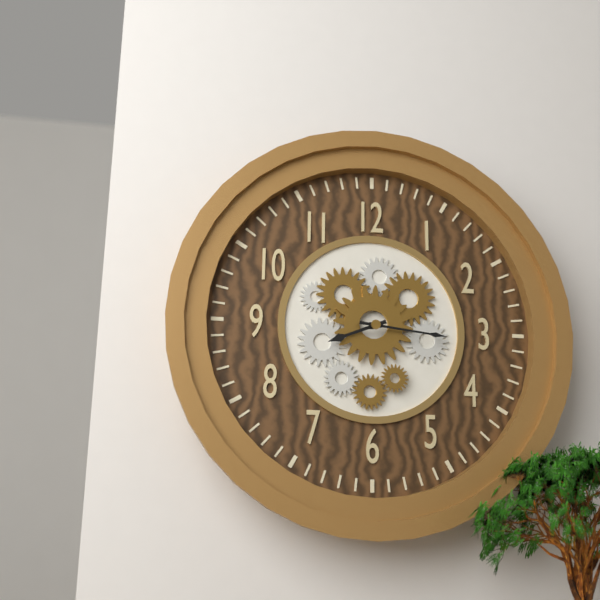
8:16
